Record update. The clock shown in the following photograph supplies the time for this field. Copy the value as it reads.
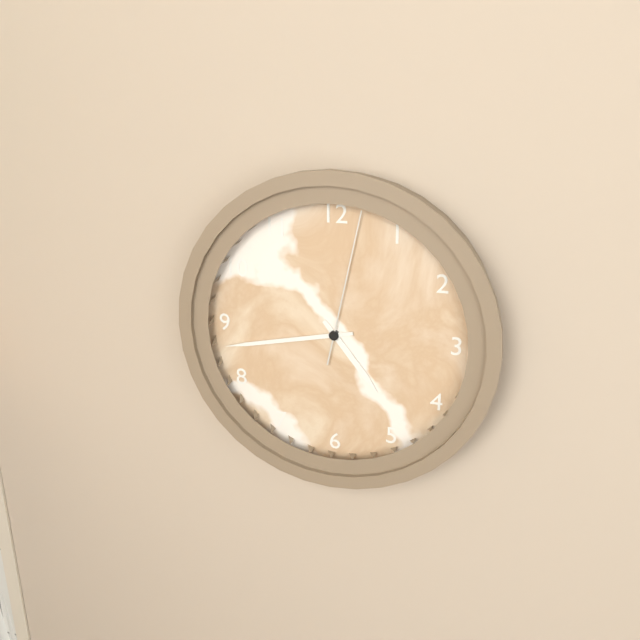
4:43:02
